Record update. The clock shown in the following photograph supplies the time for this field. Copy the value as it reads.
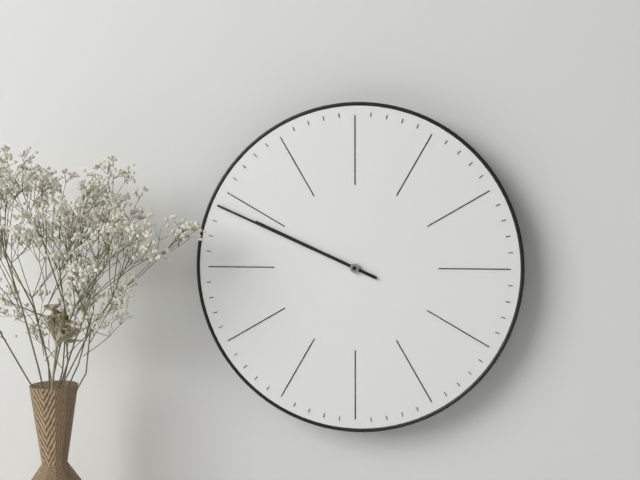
9:49
